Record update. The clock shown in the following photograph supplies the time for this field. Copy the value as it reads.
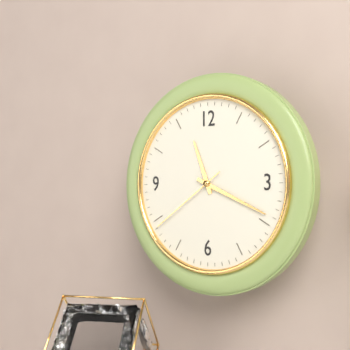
11:19:39
